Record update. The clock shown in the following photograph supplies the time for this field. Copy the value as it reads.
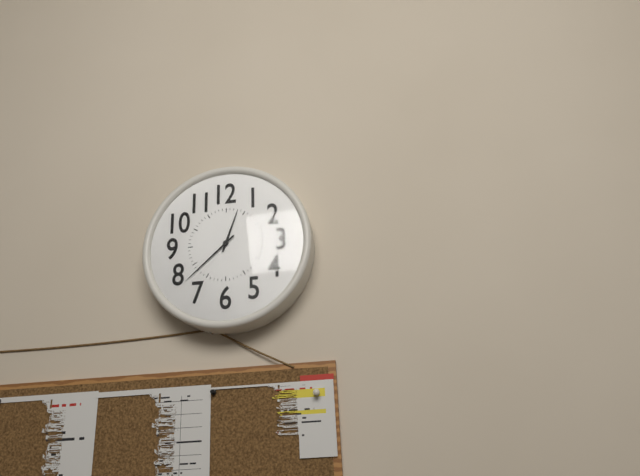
12:38
